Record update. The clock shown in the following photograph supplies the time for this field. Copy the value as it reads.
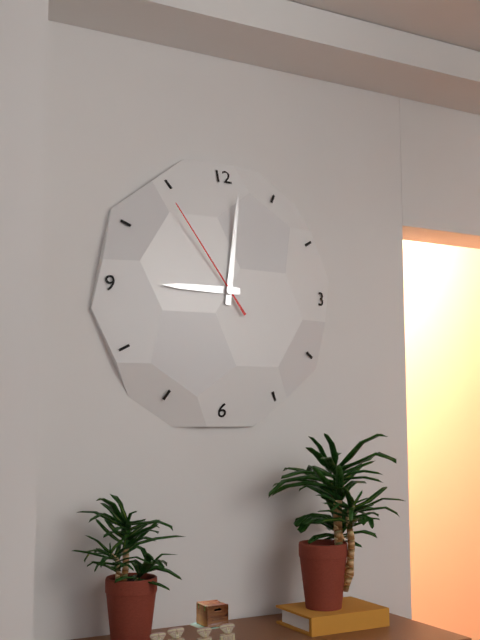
9:01:54
